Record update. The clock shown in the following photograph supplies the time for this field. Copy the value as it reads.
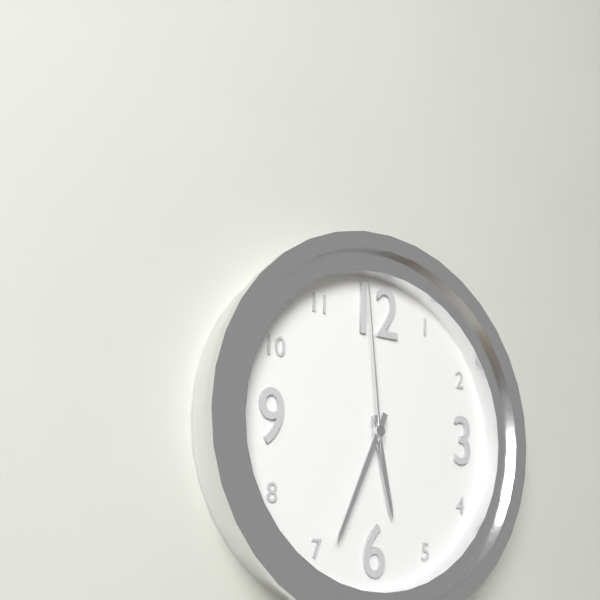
5:34:59
